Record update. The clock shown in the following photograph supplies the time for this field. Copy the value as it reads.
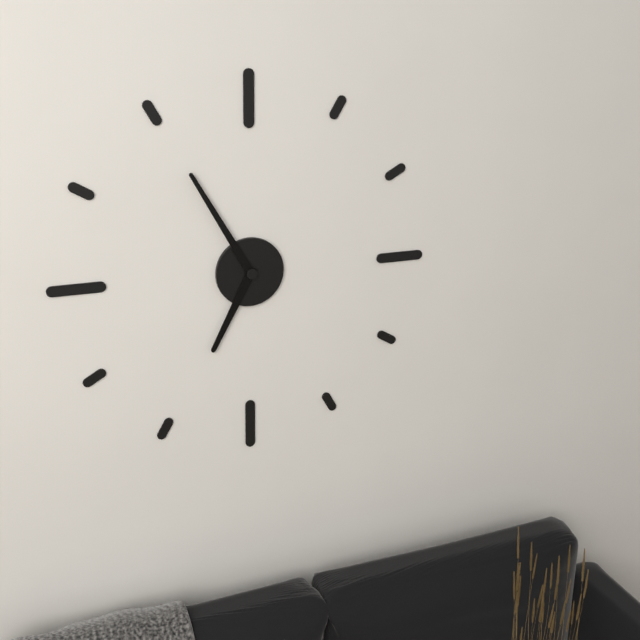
6:55
